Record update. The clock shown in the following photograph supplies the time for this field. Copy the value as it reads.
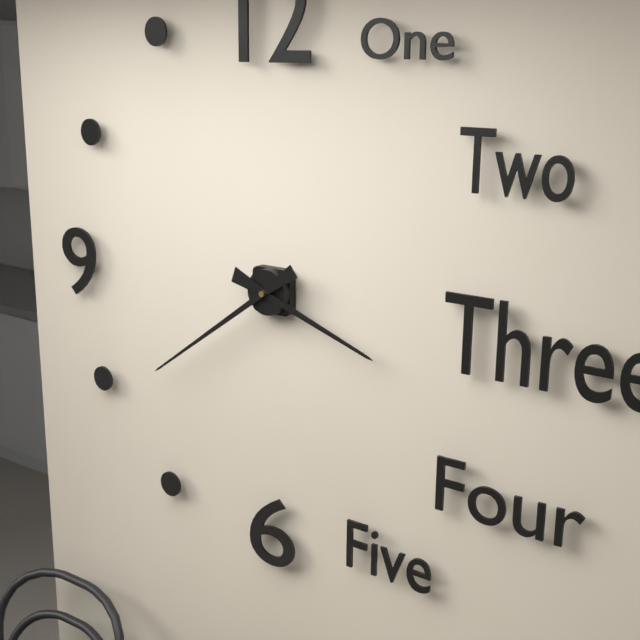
3:39
